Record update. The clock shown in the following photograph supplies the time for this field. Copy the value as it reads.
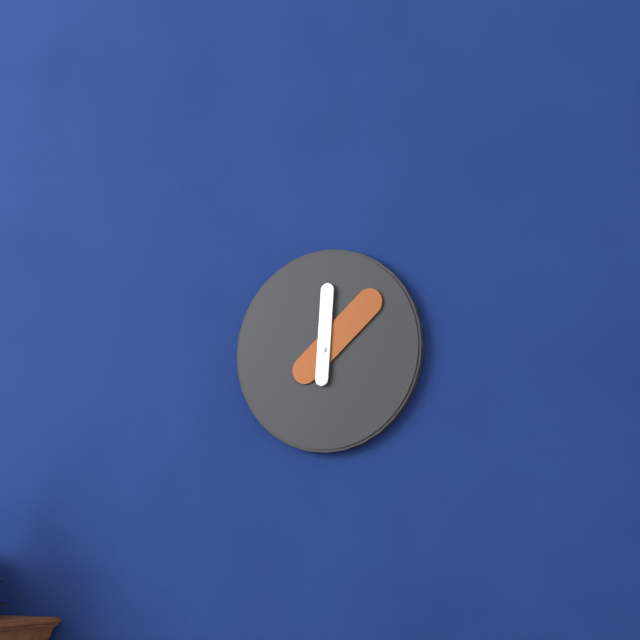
12:08
